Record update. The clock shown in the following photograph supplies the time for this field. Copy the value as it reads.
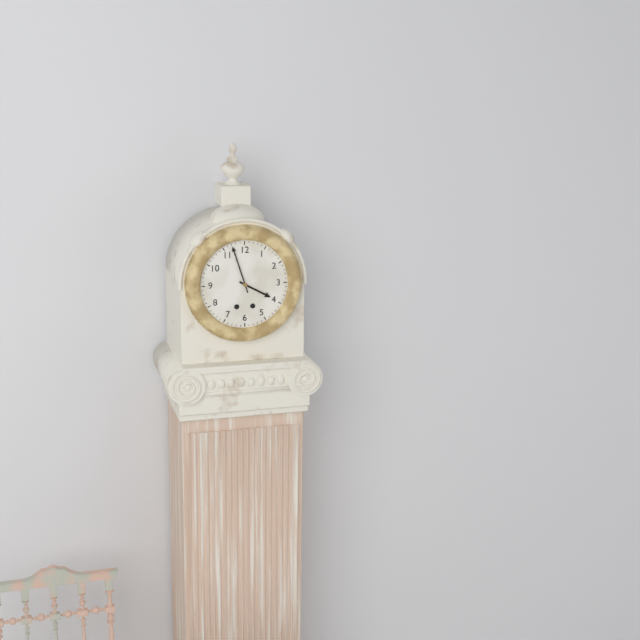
3:57
